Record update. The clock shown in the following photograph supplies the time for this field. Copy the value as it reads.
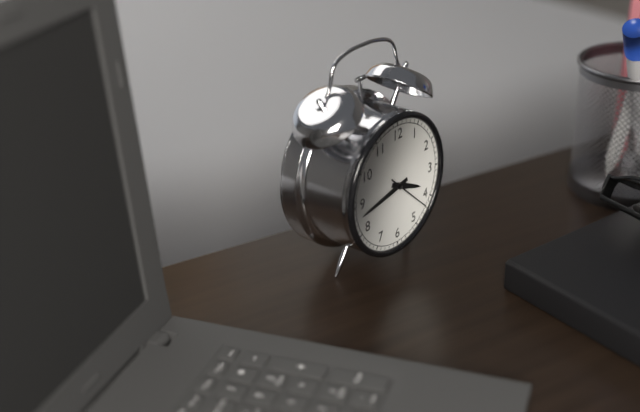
3:43
